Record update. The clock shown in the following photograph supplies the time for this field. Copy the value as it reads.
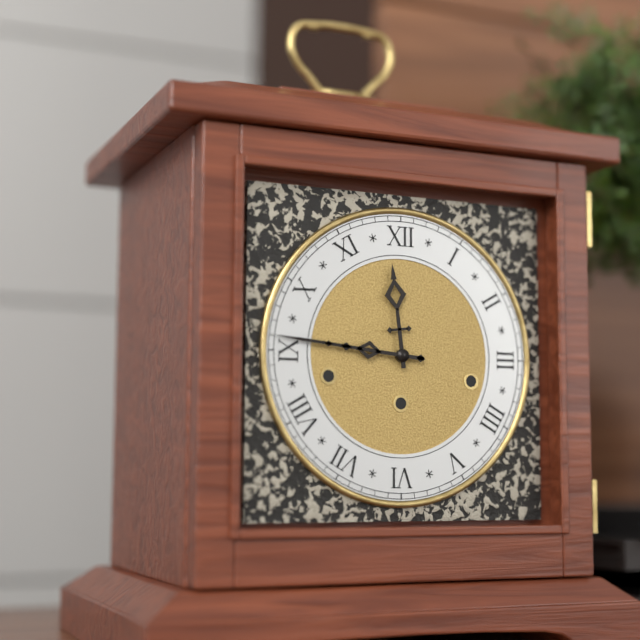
11:46
